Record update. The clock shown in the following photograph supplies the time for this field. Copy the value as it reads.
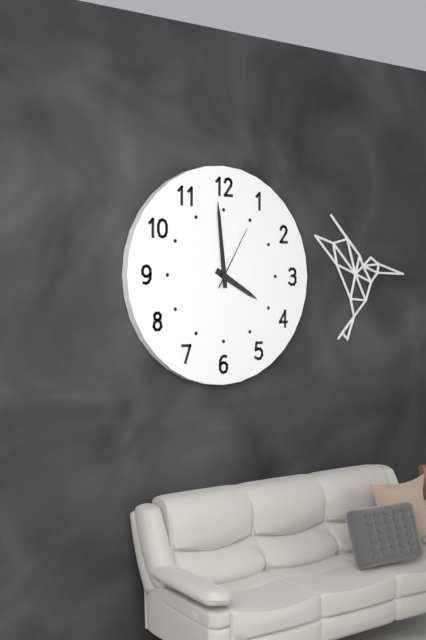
3:59:05
